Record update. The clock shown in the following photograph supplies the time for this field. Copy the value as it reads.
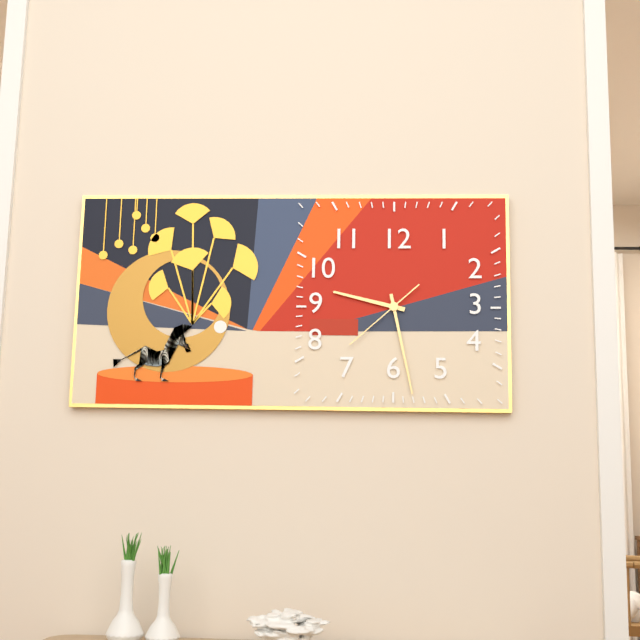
9:28:38
